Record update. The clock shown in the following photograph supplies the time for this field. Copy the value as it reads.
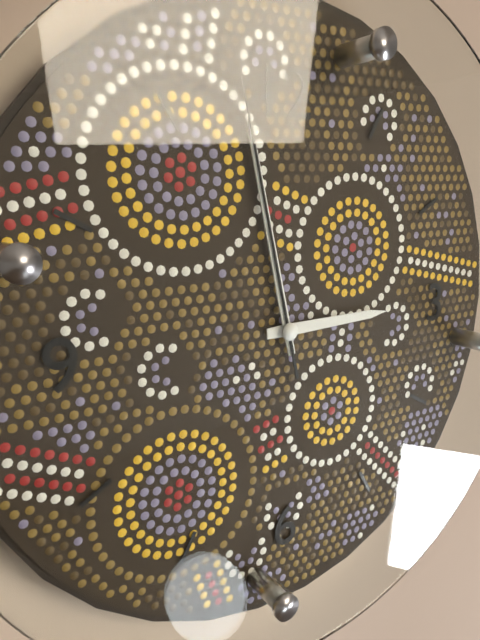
2:58:58
